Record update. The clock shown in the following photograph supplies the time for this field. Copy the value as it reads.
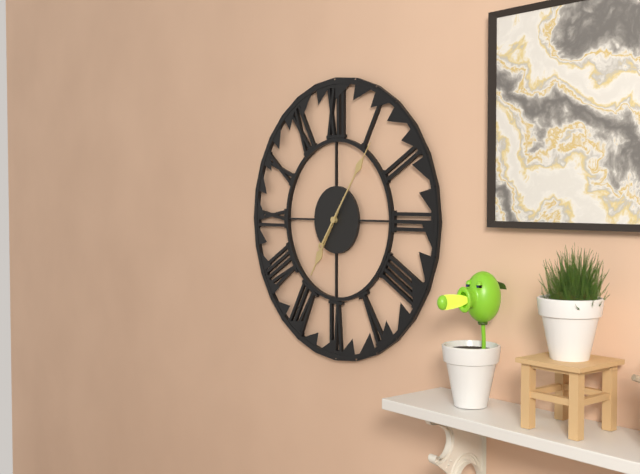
7:06
